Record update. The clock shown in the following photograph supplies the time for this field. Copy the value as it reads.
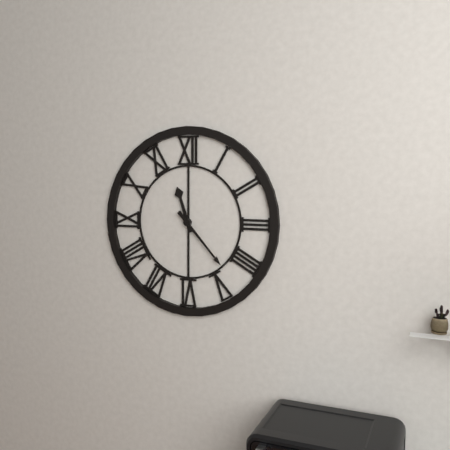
11:23
